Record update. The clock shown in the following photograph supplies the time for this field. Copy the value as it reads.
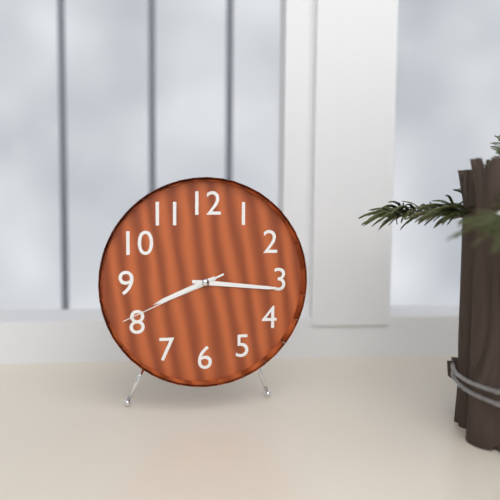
8:16:41
